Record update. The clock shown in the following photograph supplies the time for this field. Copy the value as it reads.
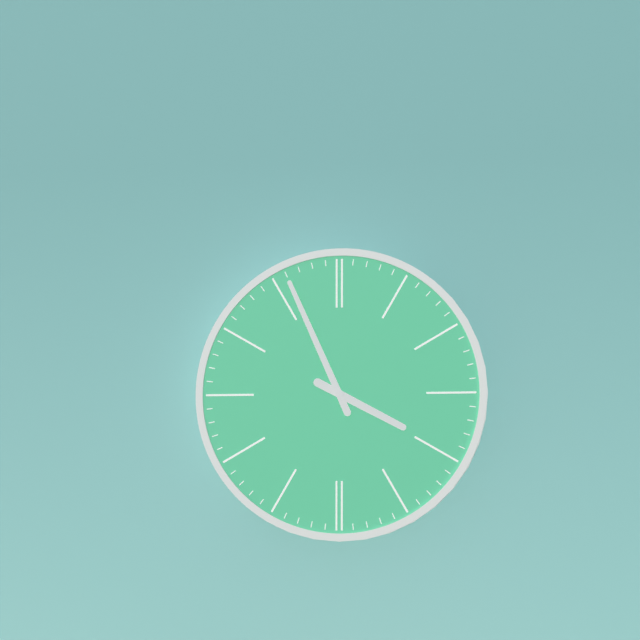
3:56
